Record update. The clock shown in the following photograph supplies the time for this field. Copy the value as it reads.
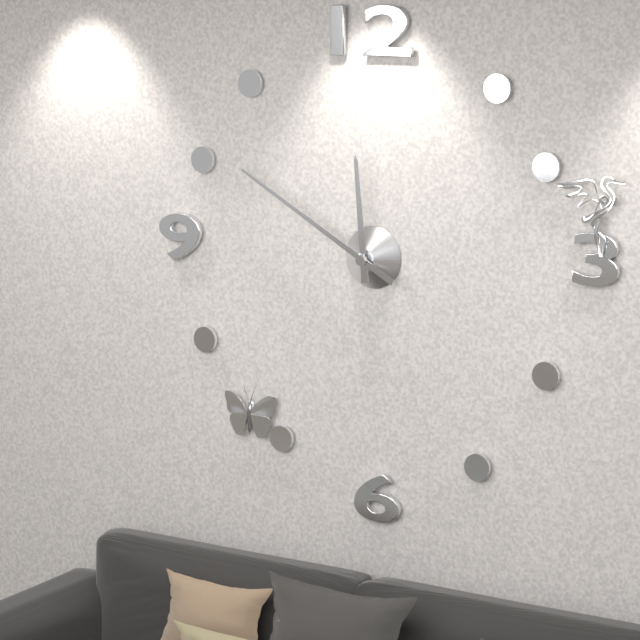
11:50
